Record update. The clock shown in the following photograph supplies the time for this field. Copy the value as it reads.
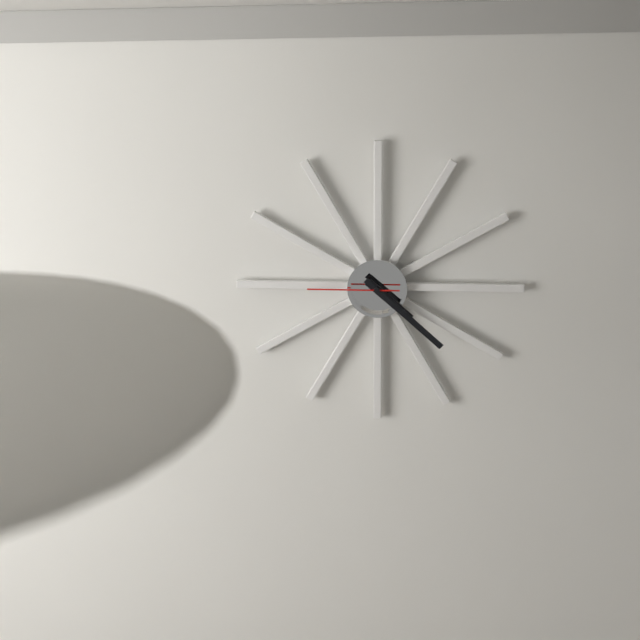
4:22:45
